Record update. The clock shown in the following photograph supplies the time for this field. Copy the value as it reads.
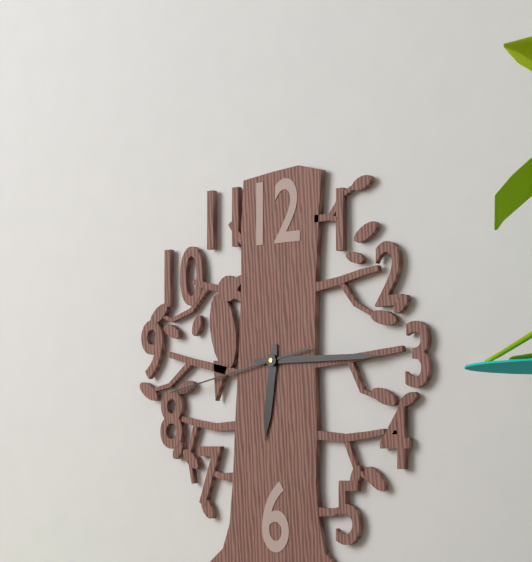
6:15:43
